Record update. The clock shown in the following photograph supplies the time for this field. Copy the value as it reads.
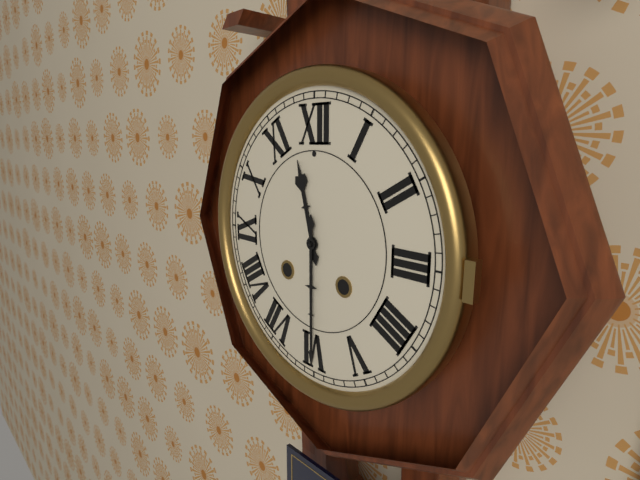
11:30
